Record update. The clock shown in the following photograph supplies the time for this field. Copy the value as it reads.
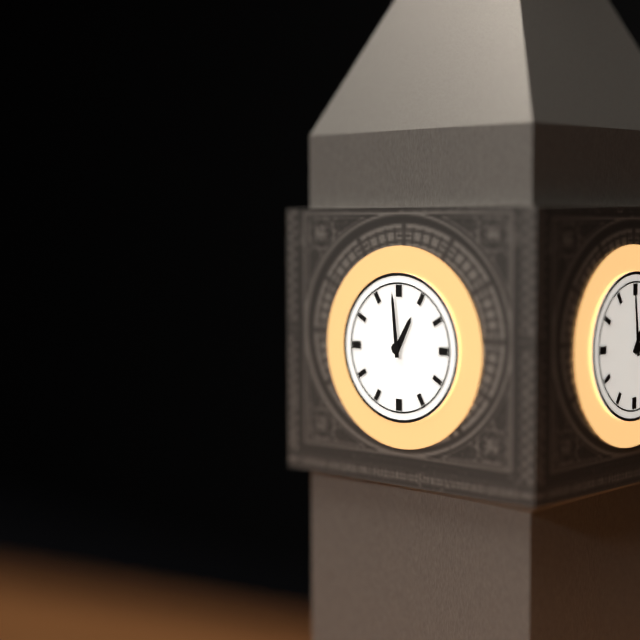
12:59
